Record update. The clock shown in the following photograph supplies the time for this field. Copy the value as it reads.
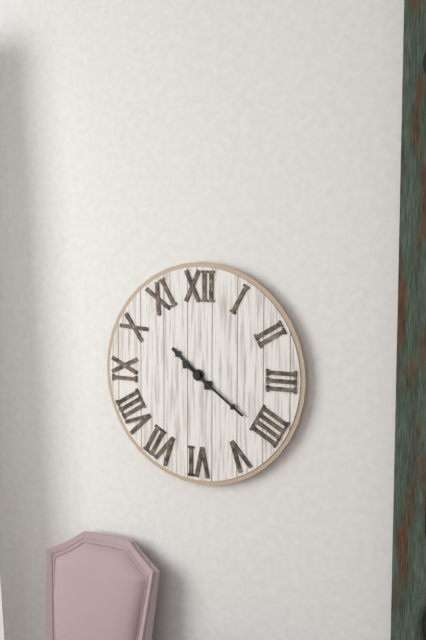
10:21
